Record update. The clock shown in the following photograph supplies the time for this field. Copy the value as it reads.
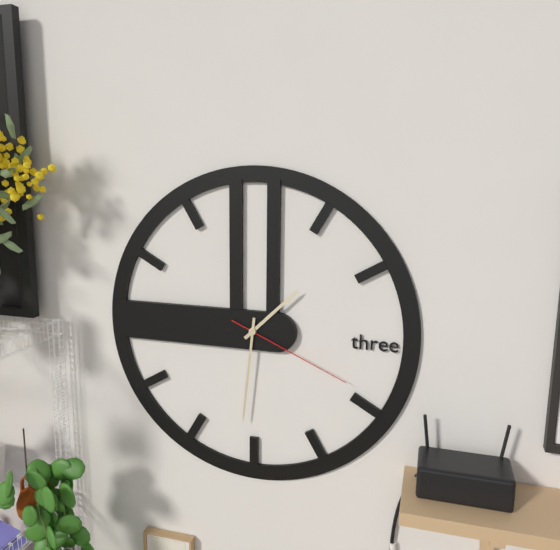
1:31:19
